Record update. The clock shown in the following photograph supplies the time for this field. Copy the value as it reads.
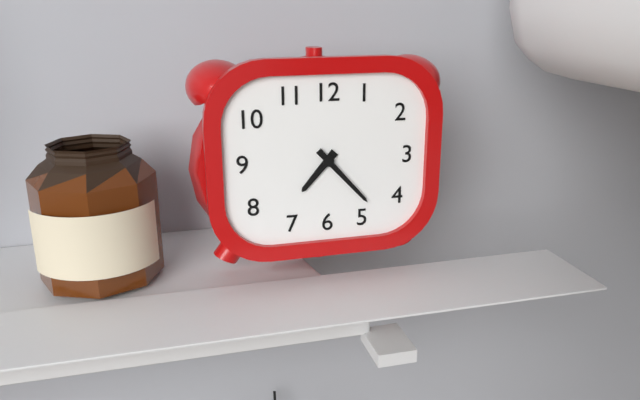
7:23
